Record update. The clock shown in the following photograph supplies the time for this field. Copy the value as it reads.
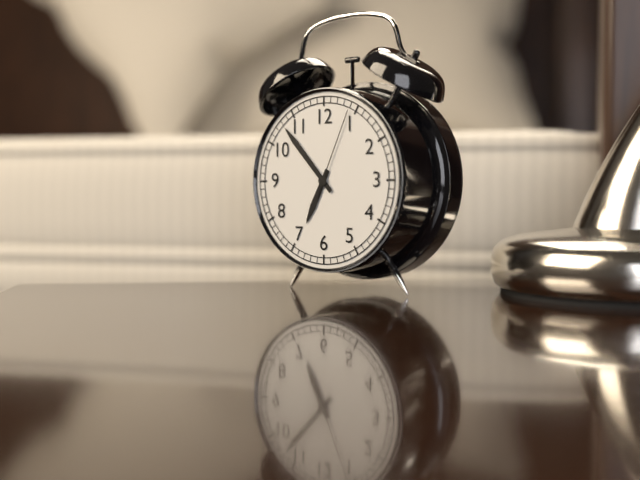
6:53:04
